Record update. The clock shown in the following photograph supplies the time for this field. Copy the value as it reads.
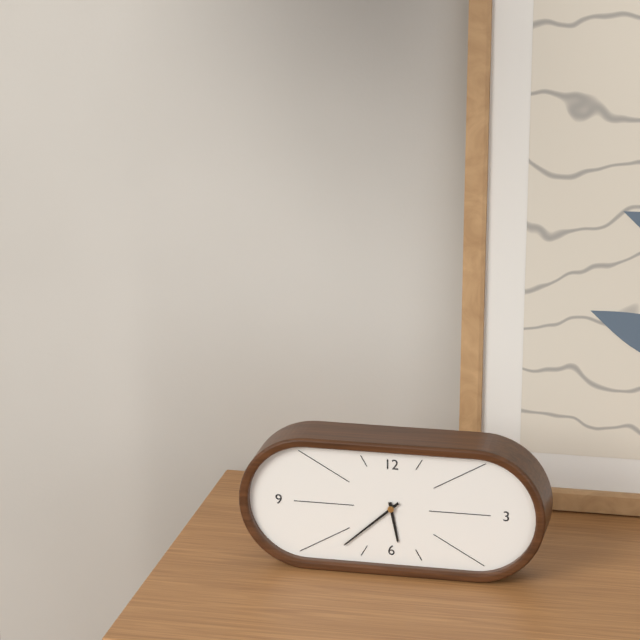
5:38
